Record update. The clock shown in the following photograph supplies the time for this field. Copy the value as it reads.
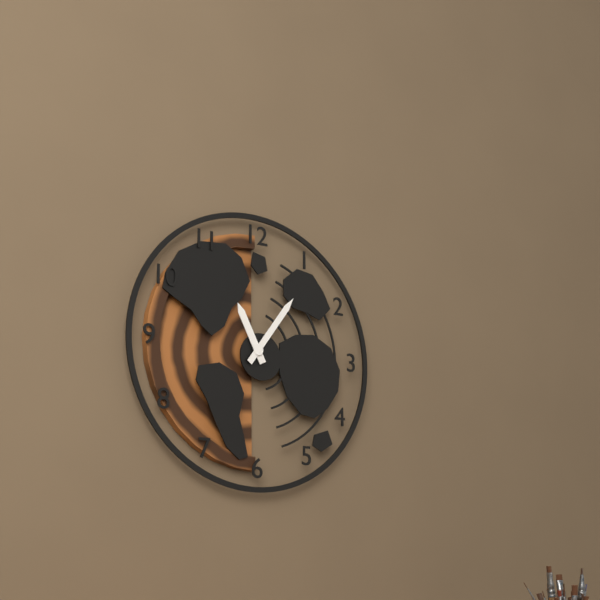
11:06
